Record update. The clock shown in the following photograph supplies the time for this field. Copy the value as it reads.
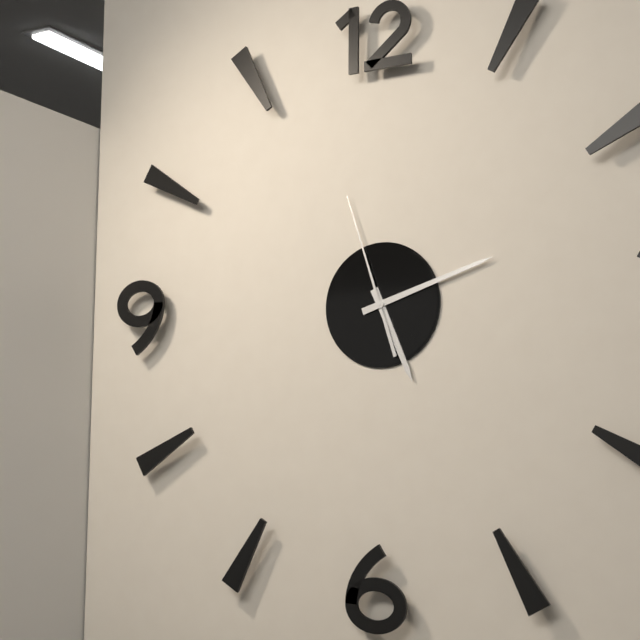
5:12:57
